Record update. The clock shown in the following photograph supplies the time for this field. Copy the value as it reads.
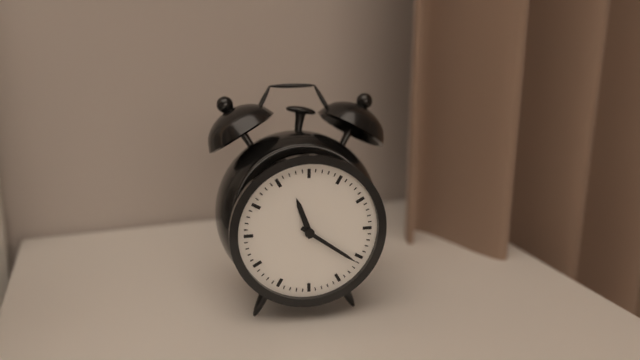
11:21
